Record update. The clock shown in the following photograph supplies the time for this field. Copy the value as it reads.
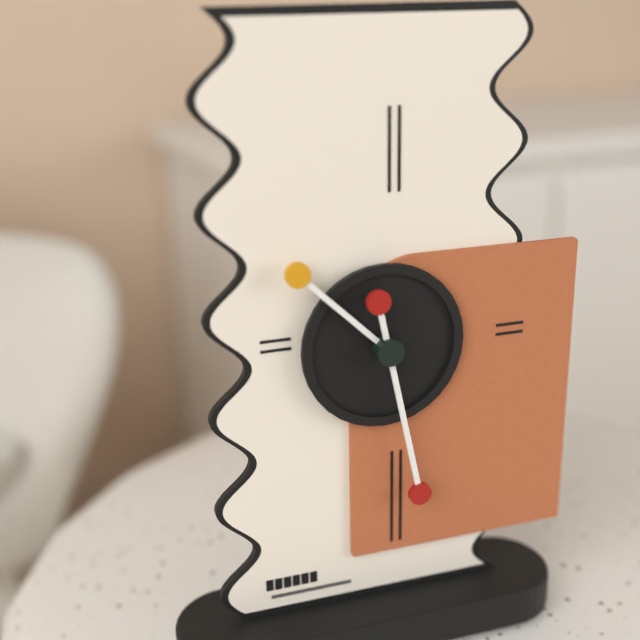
10:28
